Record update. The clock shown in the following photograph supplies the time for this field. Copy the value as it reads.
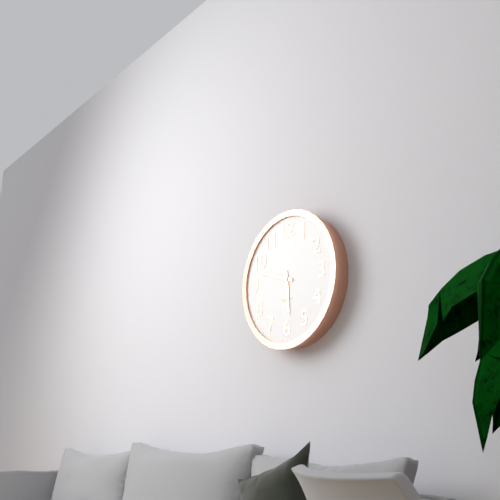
5:48
